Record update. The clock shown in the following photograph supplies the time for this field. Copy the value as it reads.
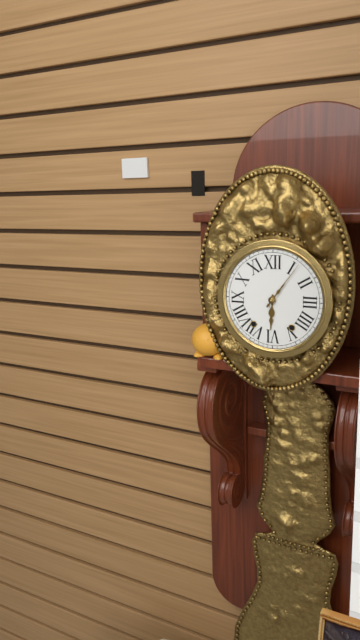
6:06
